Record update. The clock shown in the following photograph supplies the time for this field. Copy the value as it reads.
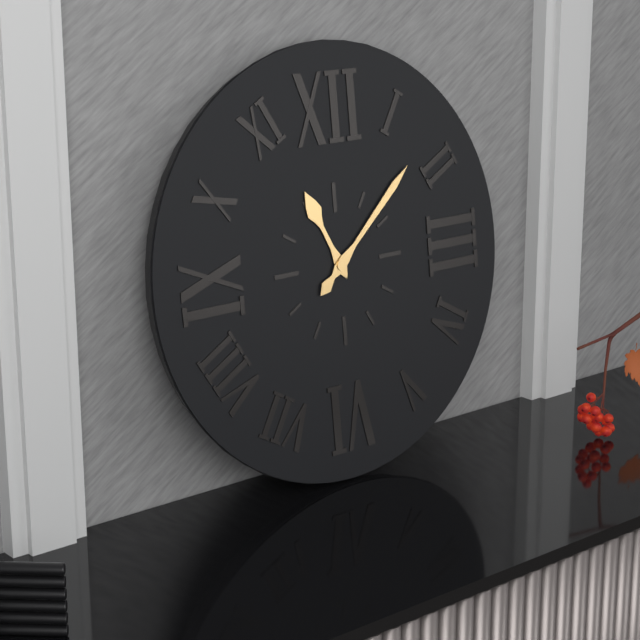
11:08
